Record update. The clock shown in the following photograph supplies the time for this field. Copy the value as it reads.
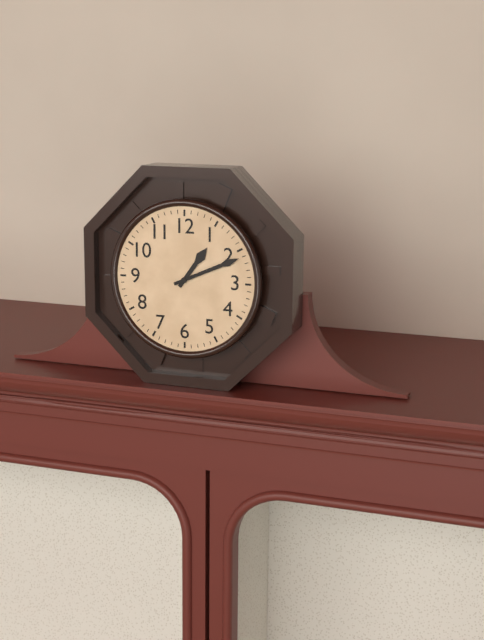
1:11
